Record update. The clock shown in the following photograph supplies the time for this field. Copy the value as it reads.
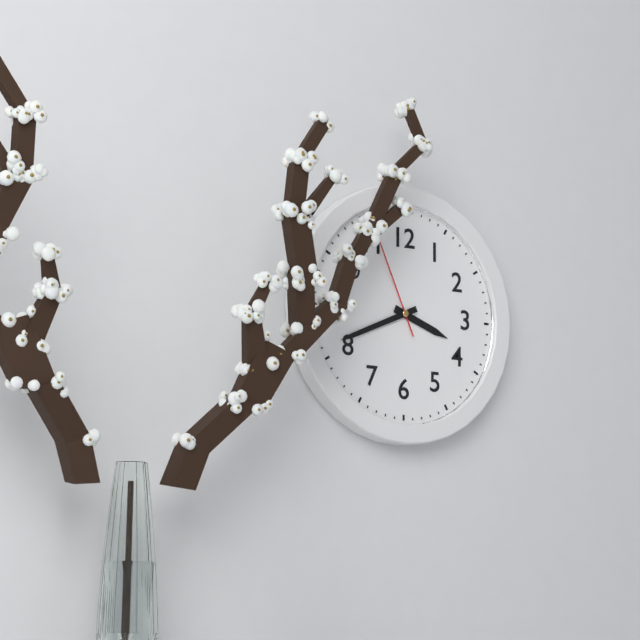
3:41:56
